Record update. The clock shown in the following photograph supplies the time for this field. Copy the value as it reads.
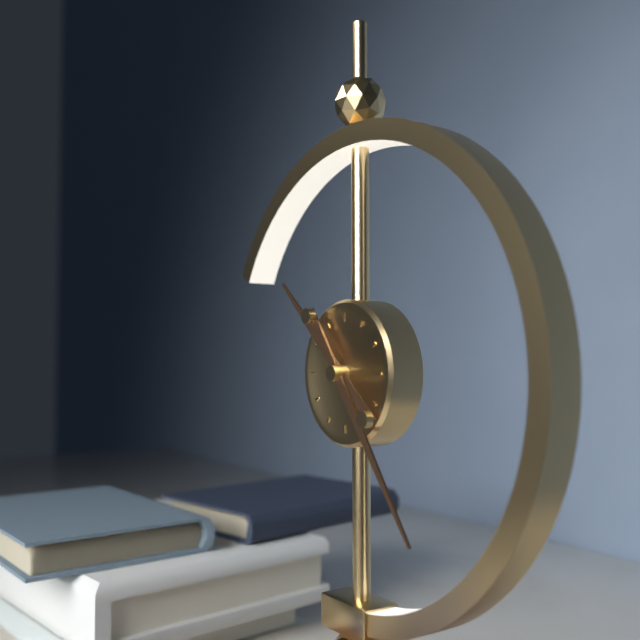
10:24
